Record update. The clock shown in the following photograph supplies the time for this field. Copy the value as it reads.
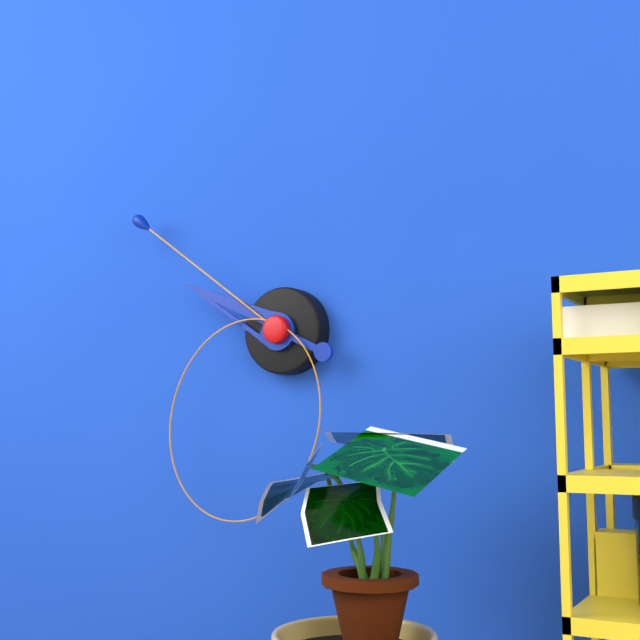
9:51:34
